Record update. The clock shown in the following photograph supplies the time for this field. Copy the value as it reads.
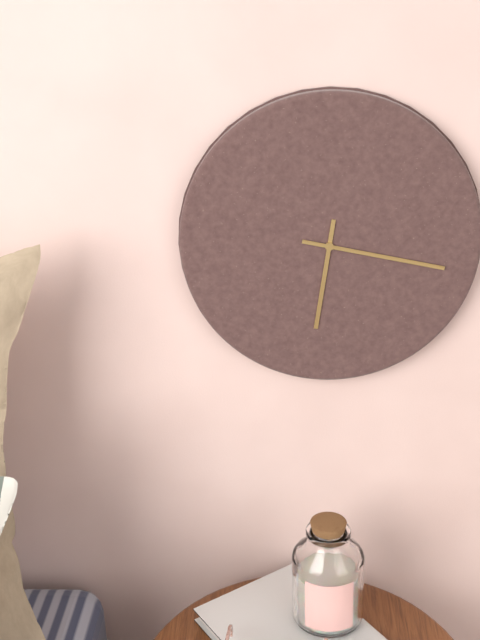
6:17
